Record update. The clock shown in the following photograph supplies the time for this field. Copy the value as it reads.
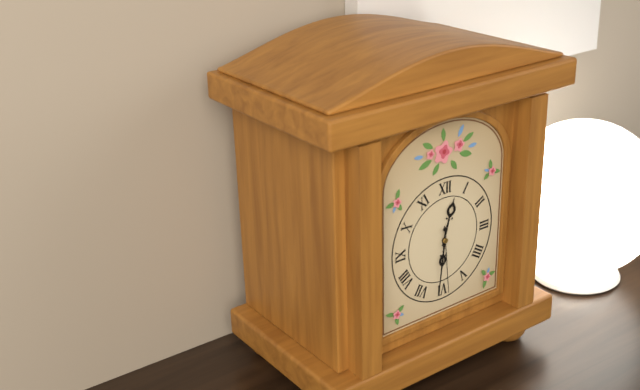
12:31:29
